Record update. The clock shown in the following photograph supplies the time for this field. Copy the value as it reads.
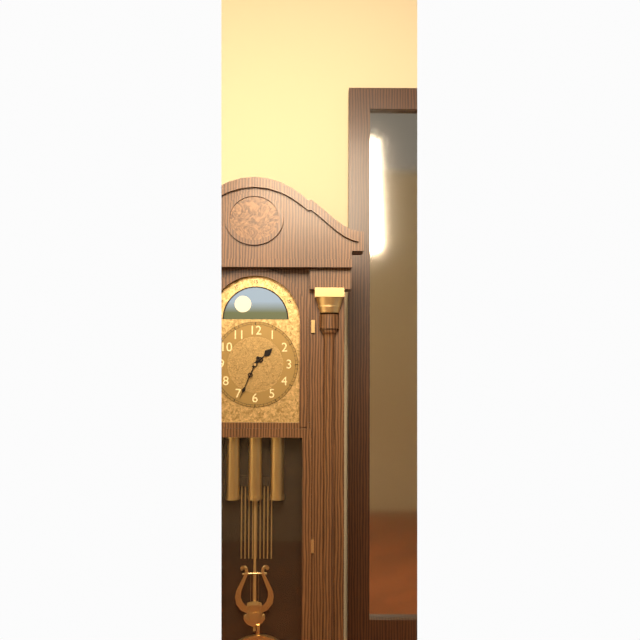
1:34
